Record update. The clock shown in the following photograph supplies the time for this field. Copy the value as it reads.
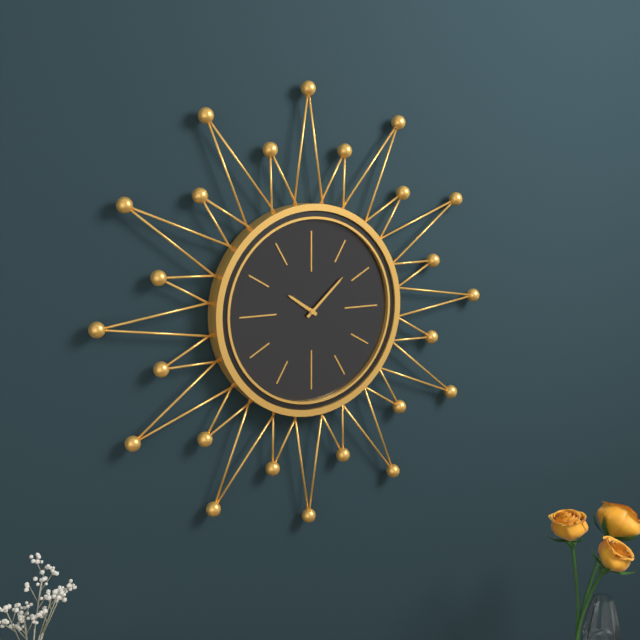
10:08
